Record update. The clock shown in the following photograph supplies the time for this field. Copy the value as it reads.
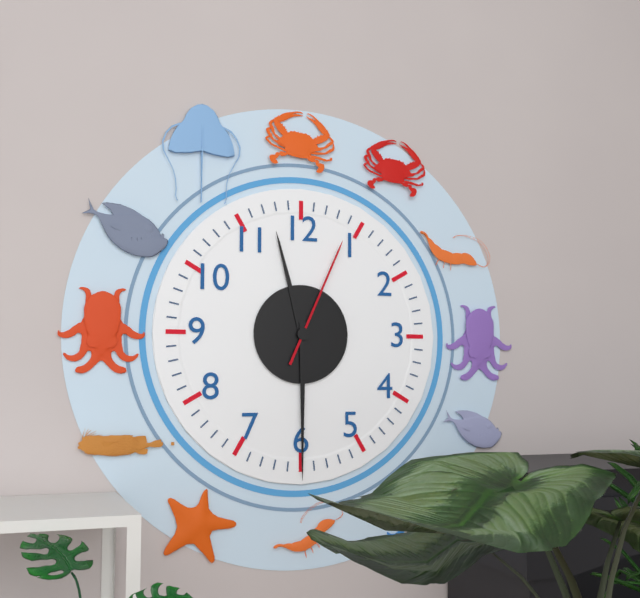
11:30:04
